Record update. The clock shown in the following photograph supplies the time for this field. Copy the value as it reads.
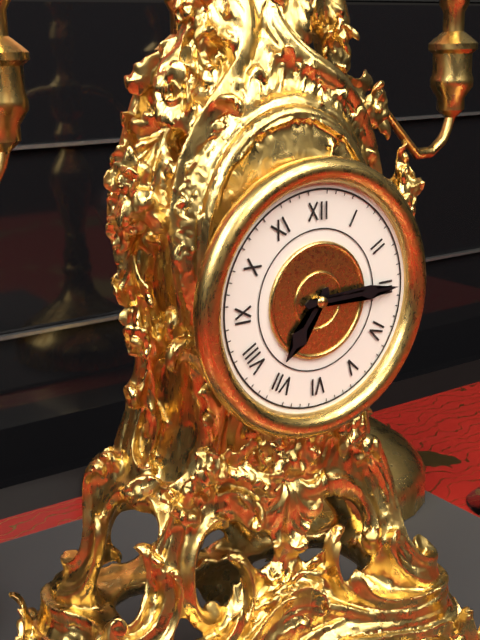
7:15
